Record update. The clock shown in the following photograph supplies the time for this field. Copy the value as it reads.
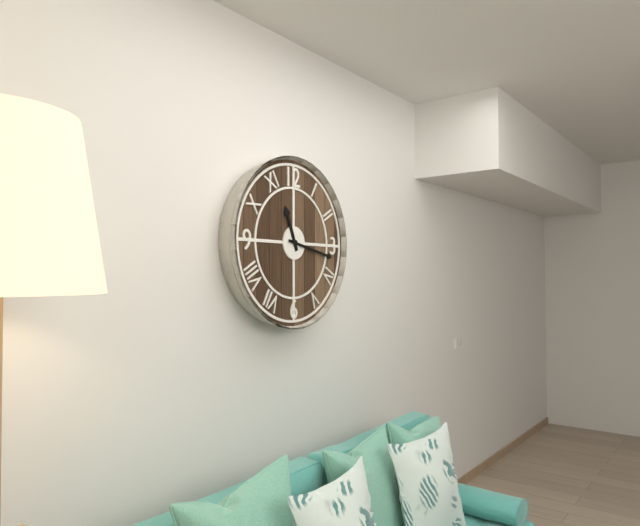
11:17
